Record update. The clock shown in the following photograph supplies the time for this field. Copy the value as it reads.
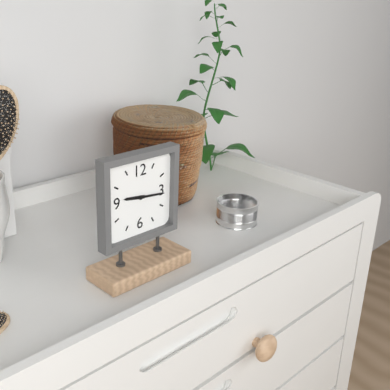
9:16
